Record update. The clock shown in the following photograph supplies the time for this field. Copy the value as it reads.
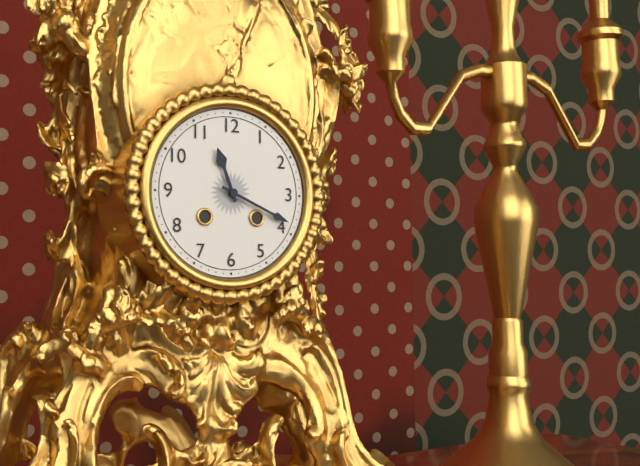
11:19
